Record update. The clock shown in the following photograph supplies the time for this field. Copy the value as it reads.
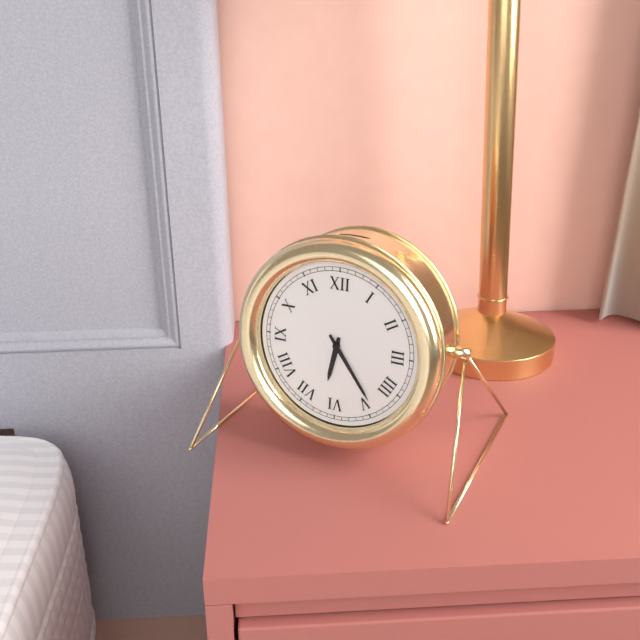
6:24
